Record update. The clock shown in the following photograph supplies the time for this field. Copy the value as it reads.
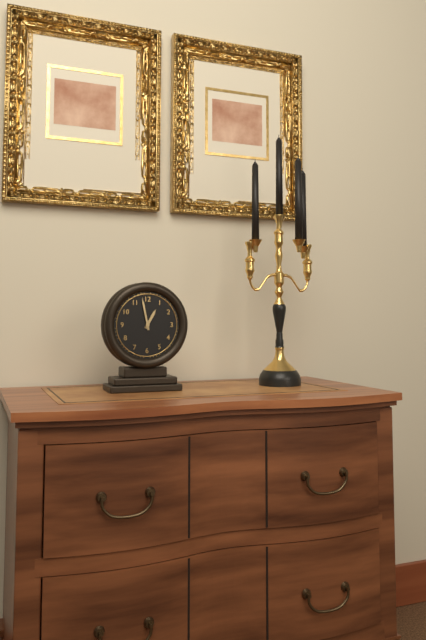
12:58
